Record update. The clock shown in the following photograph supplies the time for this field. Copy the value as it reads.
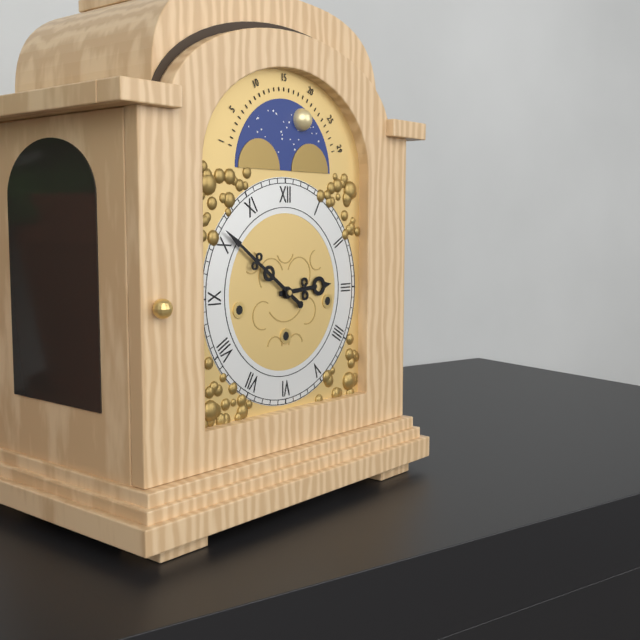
2:51
